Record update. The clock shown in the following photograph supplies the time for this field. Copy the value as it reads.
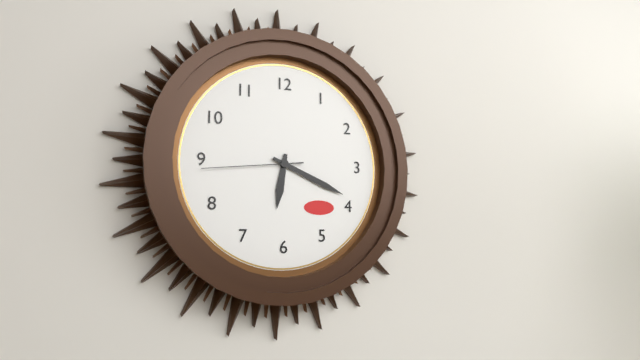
6:19:44
